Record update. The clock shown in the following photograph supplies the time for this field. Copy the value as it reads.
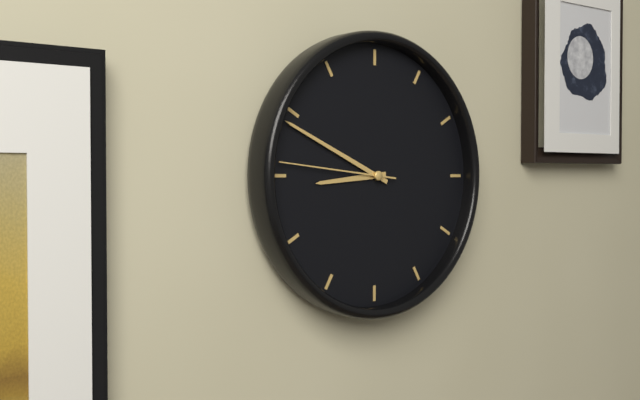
8:49:46
